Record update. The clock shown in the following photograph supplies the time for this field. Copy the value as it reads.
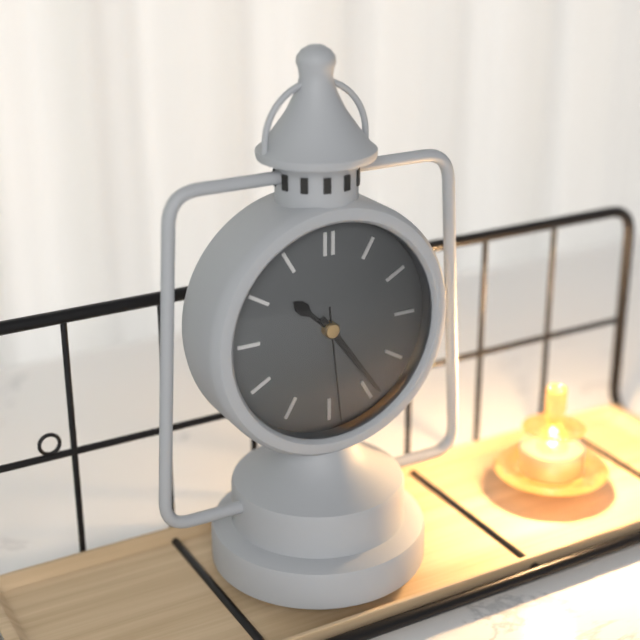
10:24:29
